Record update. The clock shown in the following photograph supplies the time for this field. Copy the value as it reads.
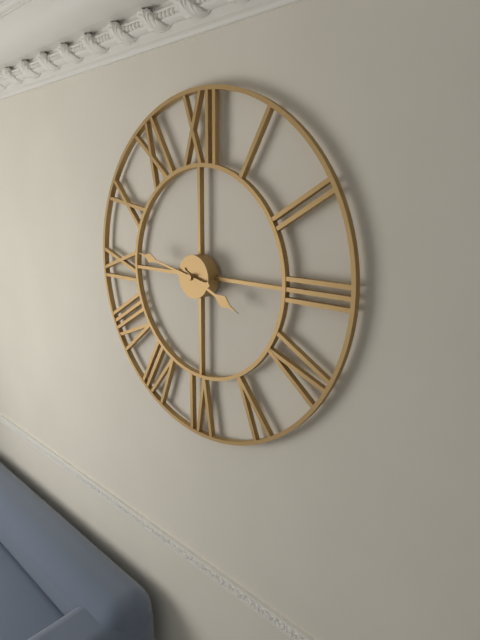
3:47
